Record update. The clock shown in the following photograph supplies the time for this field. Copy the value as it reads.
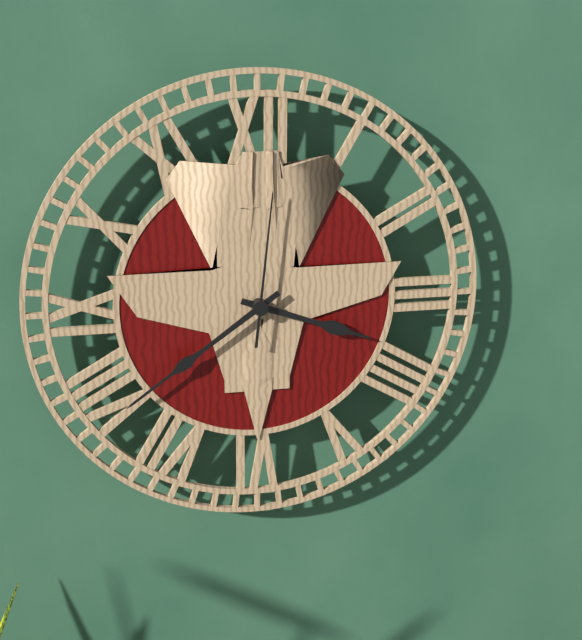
3:39:01
